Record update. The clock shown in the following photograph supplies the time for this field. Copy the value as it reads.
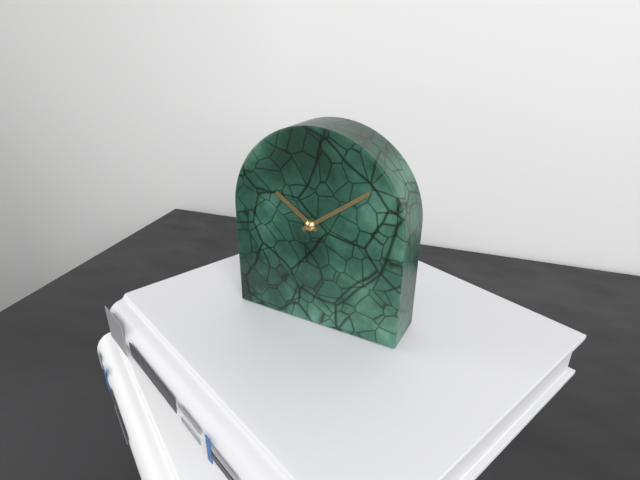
10:09
